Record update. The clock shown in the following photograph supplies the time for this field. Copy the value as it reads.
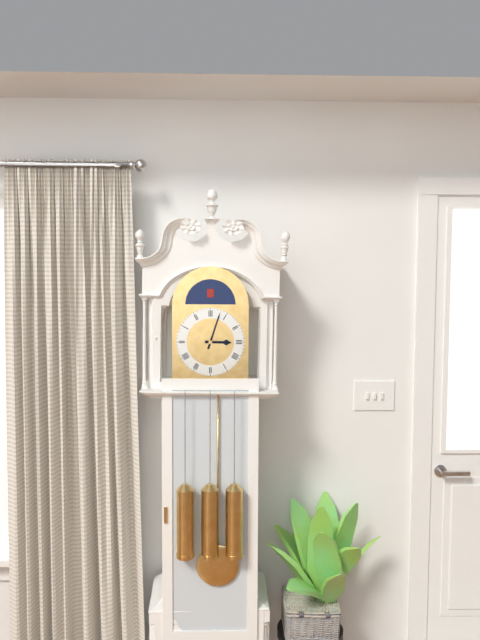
3:03
